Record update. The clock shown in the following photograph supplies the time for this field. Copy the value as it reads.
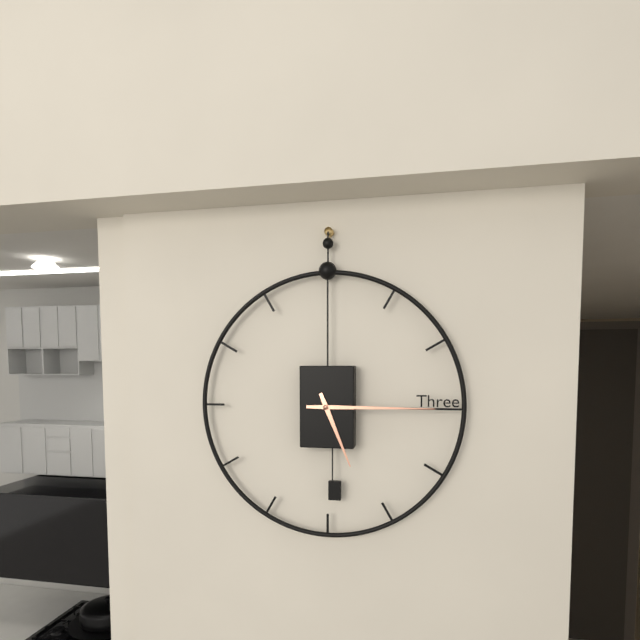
5:15
